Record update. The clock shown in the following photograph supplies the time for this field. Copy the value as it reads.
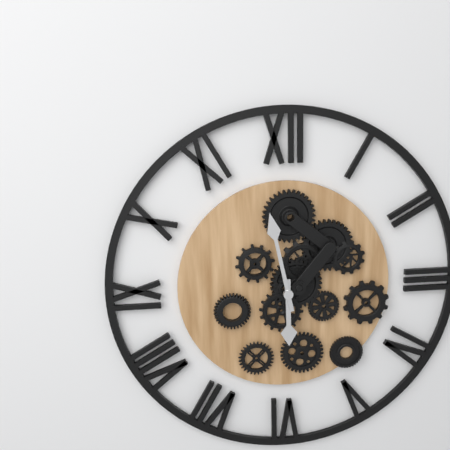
5:58
